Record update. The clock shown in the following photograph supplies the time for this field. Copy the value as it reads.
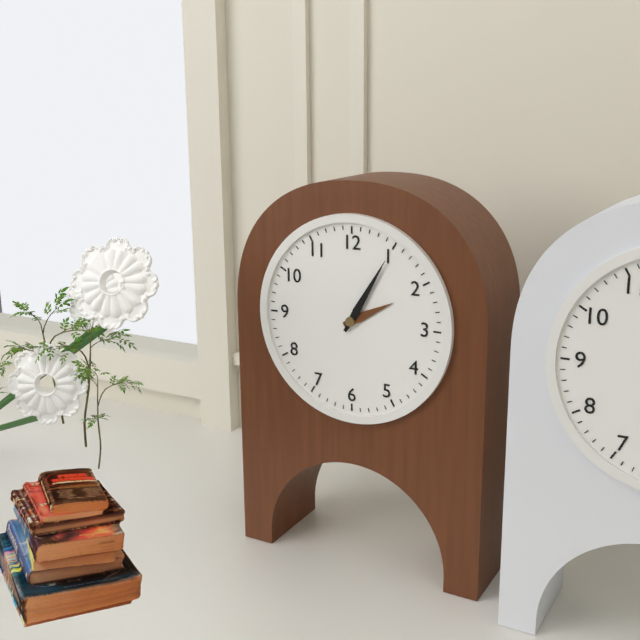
2:05
